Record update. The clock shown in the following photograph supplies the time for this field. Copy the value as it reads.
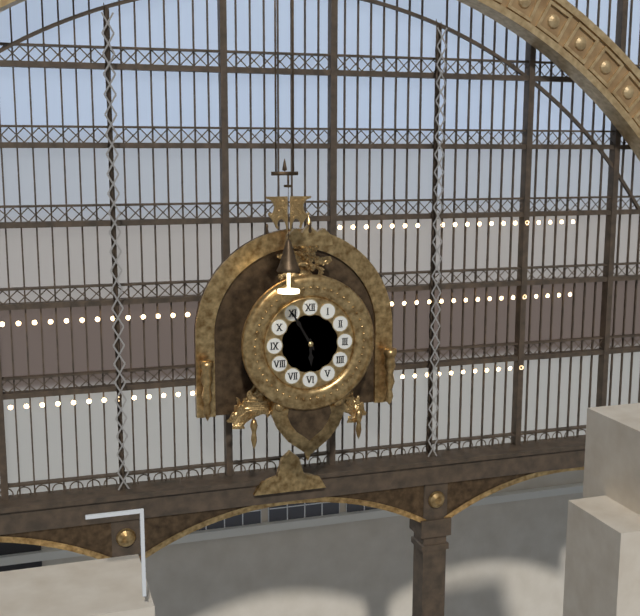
5:55
